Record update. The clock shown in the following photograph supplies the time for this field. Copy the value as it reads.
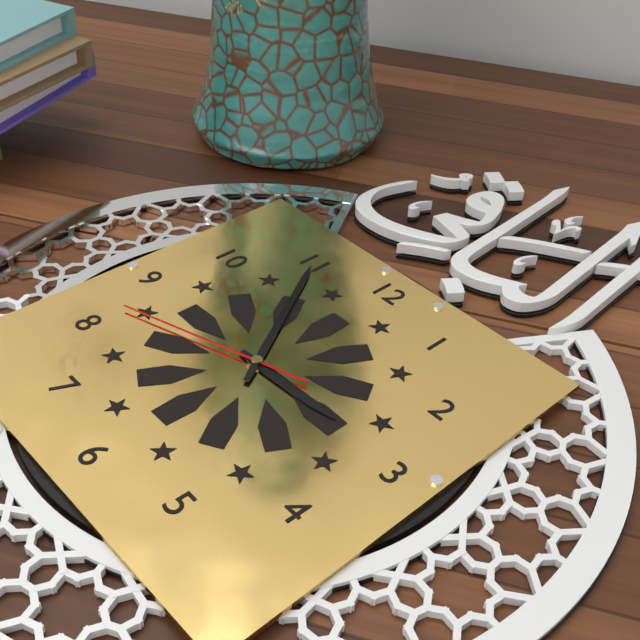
2:55:42
